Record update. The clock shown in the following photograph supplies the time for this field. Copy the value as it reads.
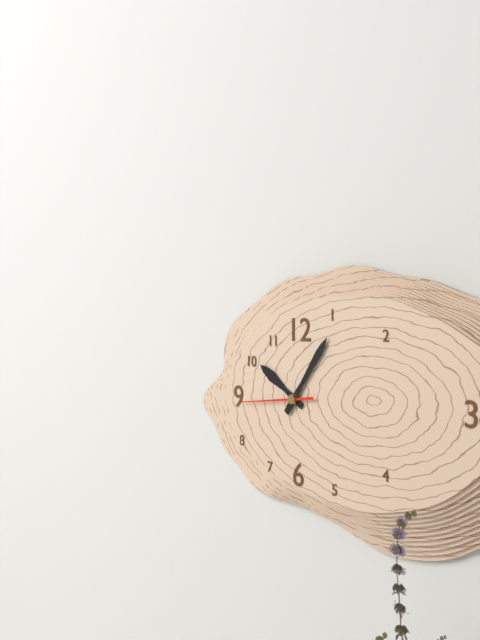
10:06:44
